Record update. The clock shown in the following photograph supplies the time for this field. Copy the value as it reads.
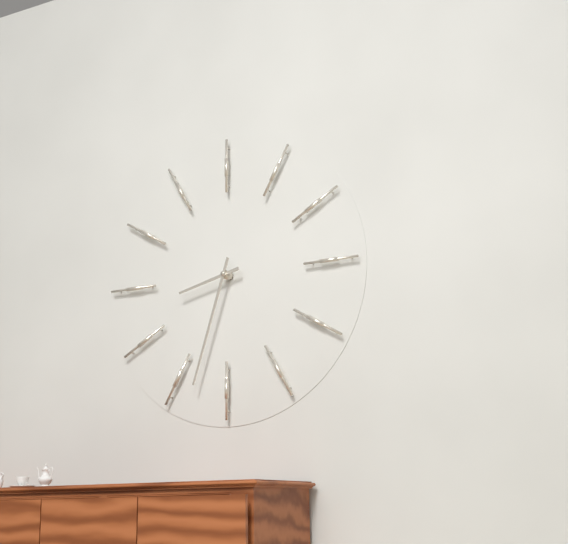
8:33
